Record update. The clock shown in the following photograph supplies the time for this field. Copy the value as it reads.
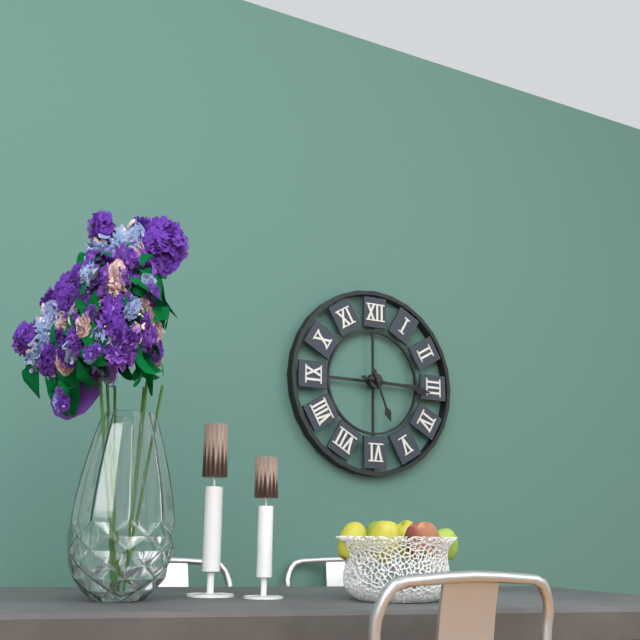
5:16
